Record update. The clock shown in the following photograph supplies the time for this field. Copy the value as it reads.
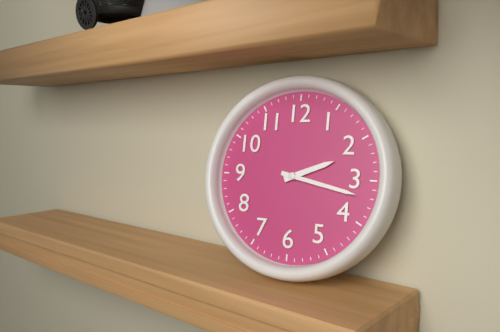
2:17
